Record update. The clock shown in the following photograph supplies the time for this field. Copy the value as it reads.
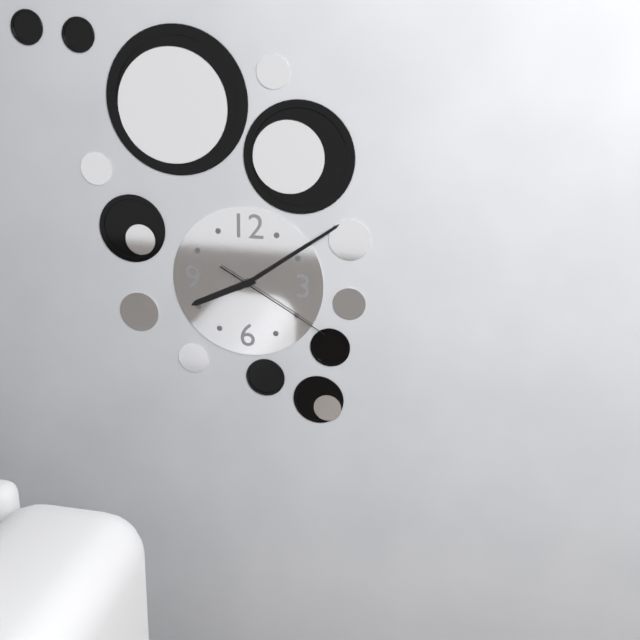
8:09:20
